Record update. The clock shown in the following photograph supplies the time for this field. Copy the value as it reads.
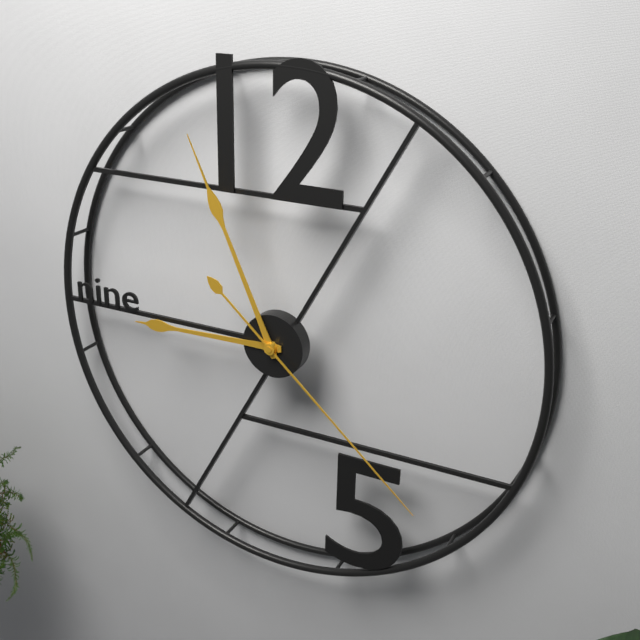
8:56:22
